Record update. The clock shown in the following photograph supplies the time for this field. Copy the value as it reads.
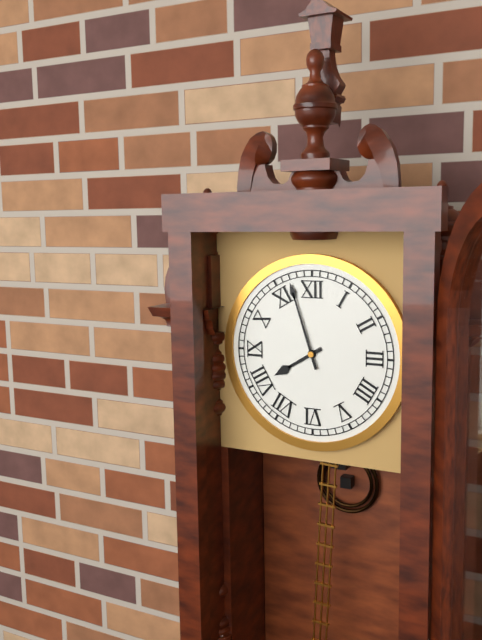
7:57
